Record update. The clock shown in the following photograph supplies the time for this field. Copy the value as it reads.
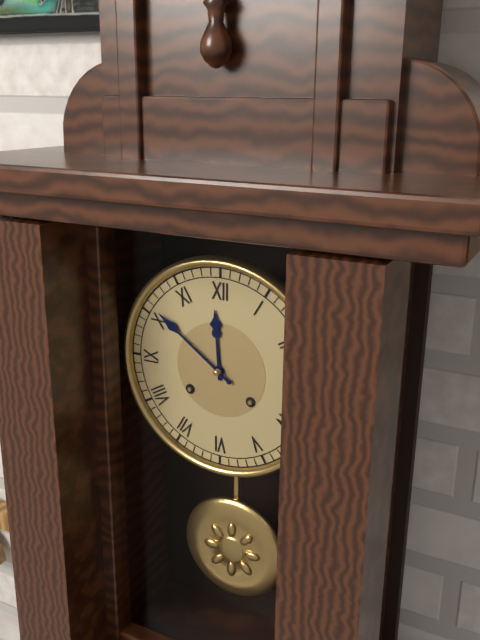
11:51
